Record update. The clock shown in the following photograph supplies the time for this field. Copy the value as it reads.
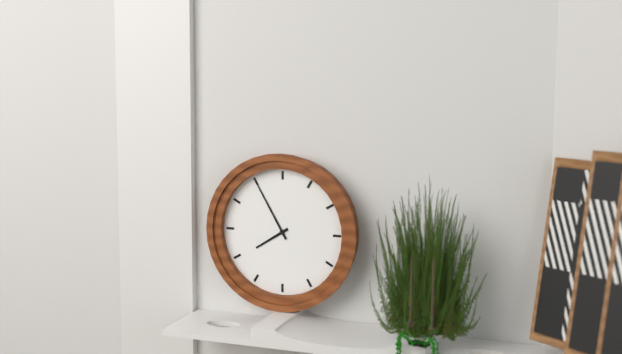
7:55
